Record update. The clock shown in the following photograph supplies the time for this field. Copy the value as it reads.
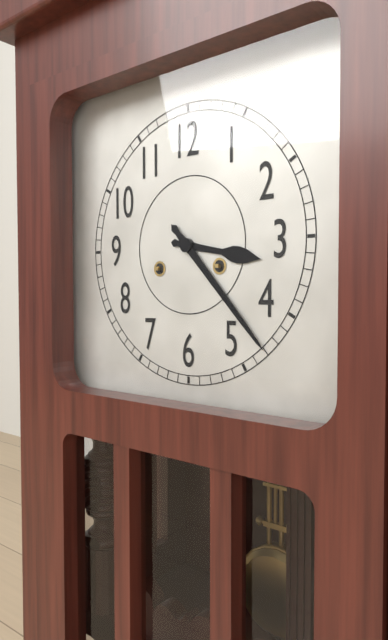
3:23
